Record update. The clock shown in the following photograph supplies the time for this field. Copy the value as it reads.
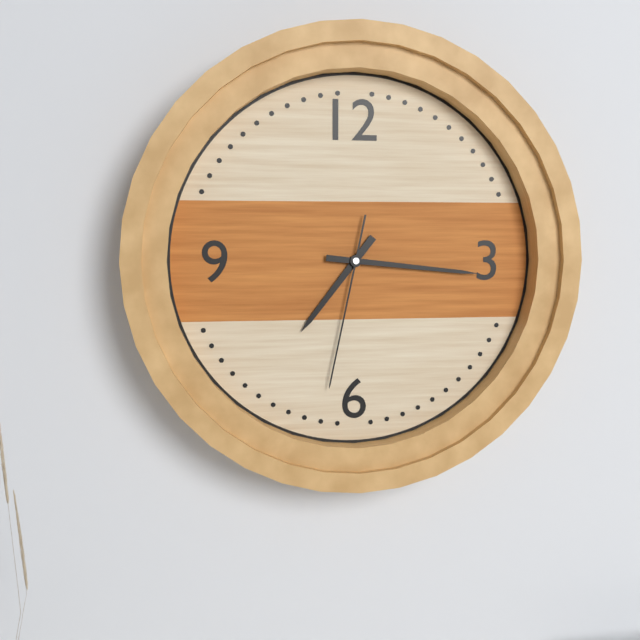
7:16:32
